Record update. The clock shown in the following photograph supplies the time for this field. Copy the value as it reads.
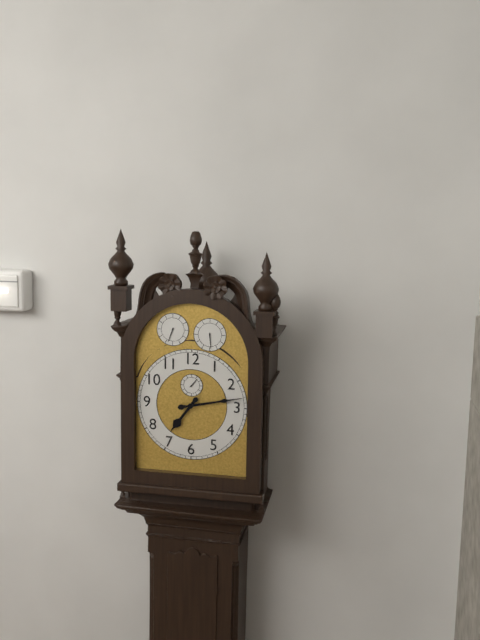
7:13
